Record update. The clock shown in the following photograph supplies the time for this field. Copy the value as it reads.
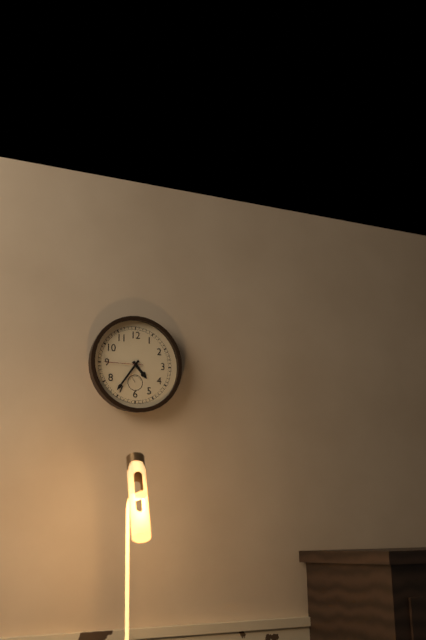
4:36
